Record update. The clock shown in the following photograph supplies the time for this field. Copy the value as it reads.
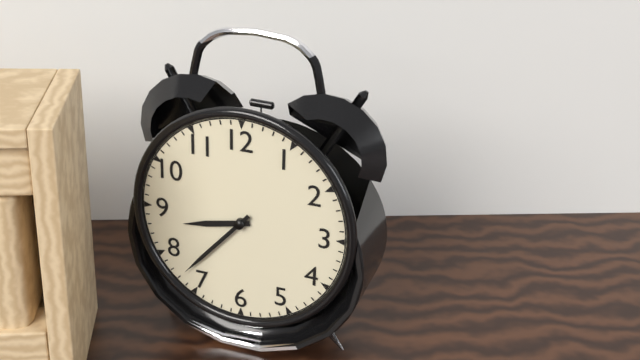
8:37
